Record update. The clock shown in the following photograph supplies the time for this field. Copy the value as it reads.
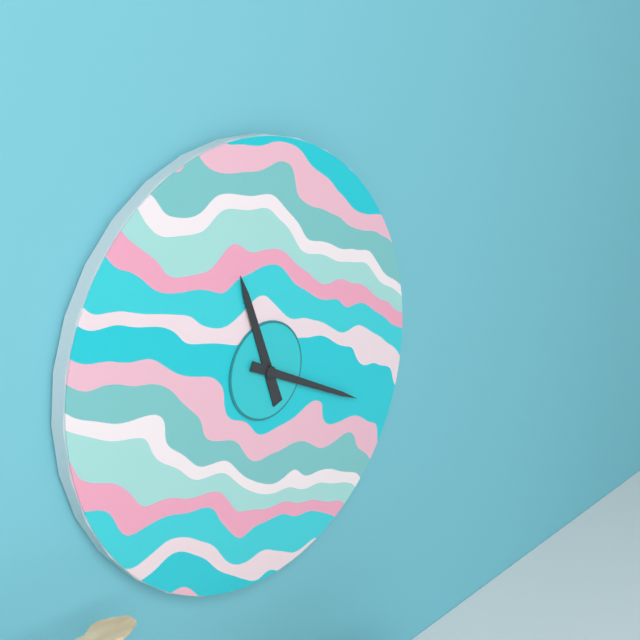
11:19
